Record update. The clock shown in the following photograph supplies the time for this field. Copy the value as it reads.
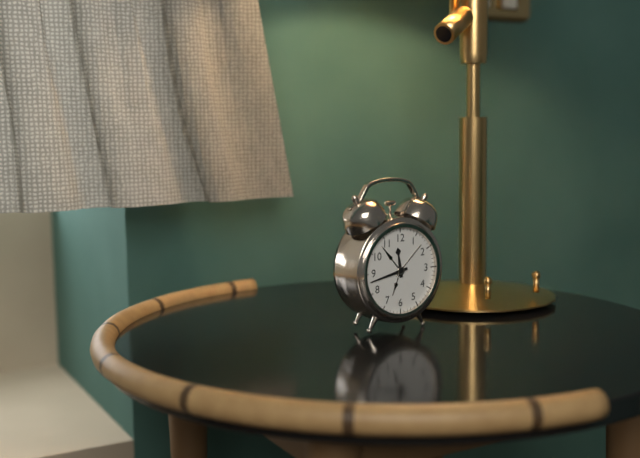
11:43
